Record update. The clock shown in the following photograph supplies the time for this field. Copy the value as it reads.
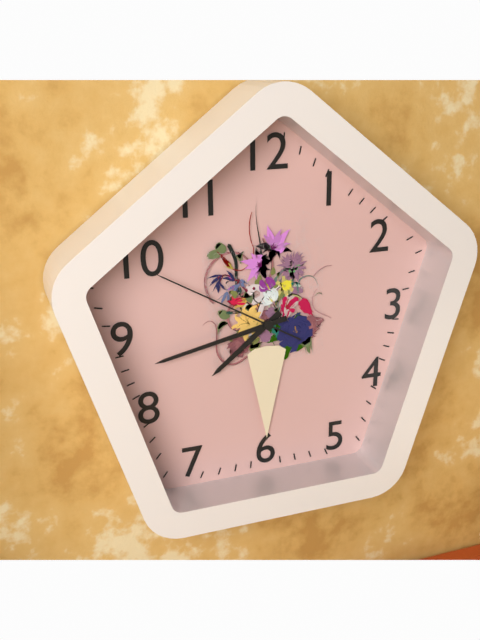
7:43:50
